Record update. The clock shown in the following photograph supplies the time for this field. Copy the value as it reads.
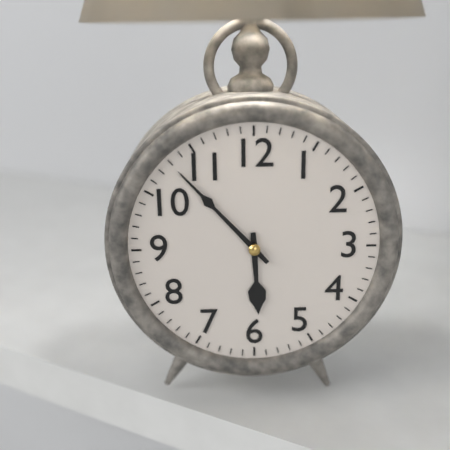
5:53
